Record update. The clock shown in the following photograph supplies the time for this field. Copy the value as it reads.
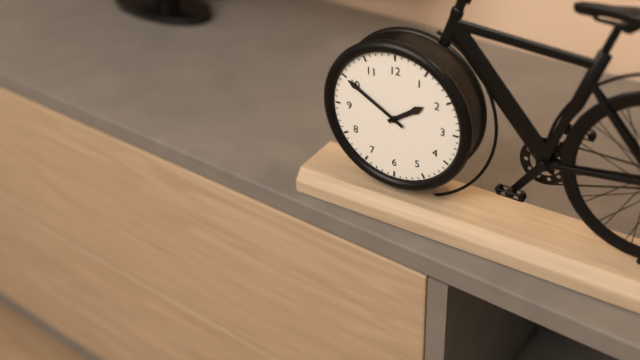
1:50
